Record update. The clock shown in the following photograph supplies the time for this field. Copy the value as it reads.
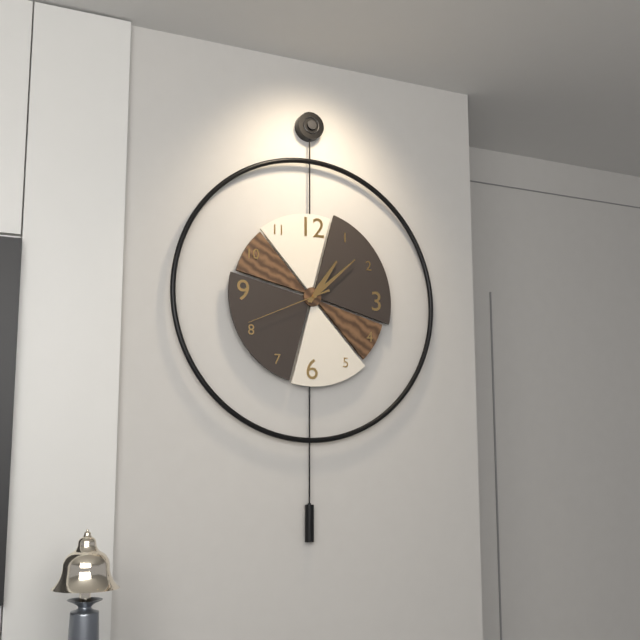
1:08:41
